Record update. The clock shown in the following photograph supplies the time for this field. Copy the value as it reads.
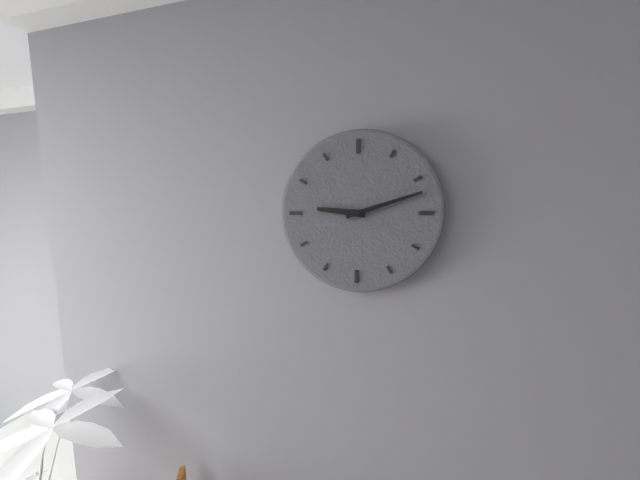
9:12
